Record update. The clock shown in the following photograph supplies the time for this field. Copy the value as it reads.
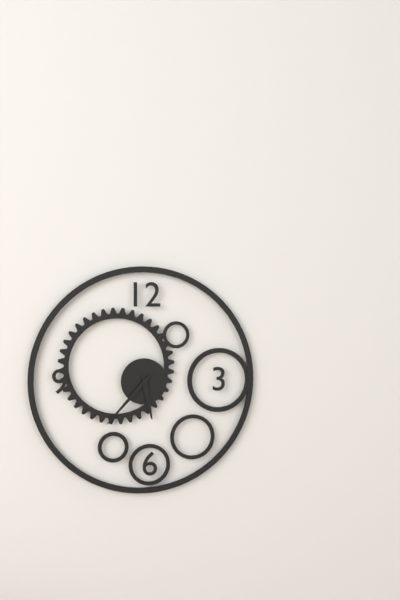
5:37
